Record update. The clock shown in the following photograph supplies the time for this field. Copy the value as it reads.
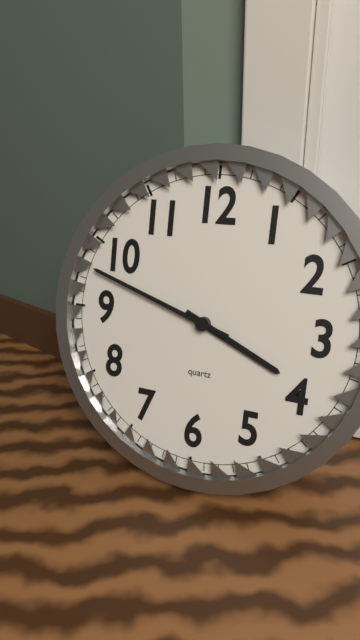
3:48
